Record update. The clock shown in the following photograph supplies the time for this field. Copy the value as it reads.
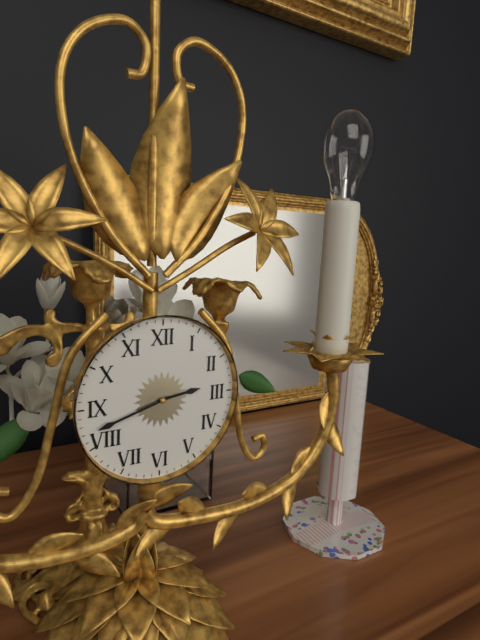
2:42
